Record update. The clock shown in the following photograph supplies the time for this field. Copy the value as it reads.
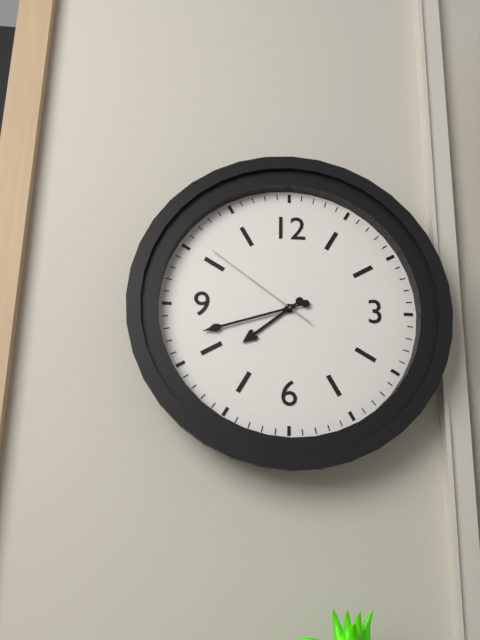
7:42:51
